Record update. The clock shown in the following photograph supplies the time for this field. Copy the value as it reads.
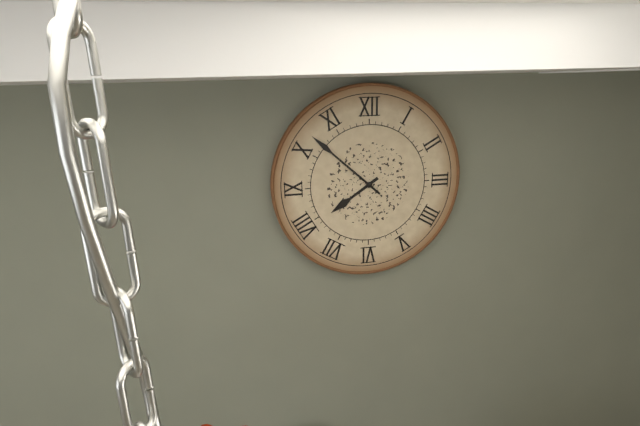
7:52
